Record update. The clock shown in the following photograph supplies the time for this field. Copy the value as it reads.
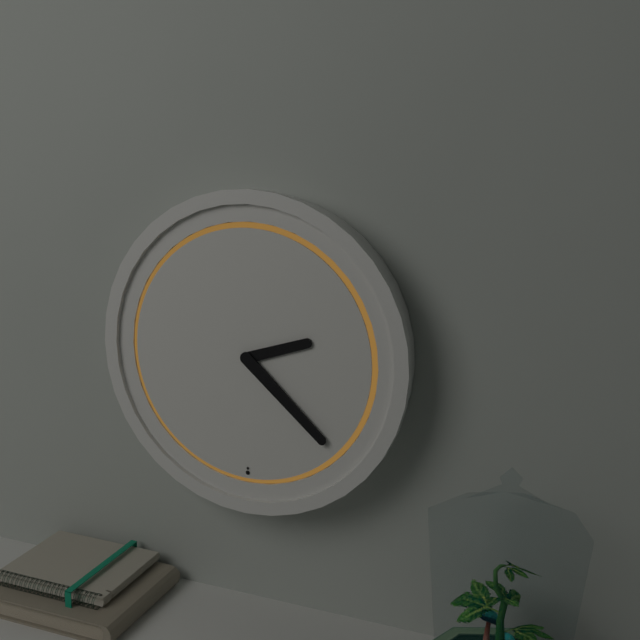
2:22
